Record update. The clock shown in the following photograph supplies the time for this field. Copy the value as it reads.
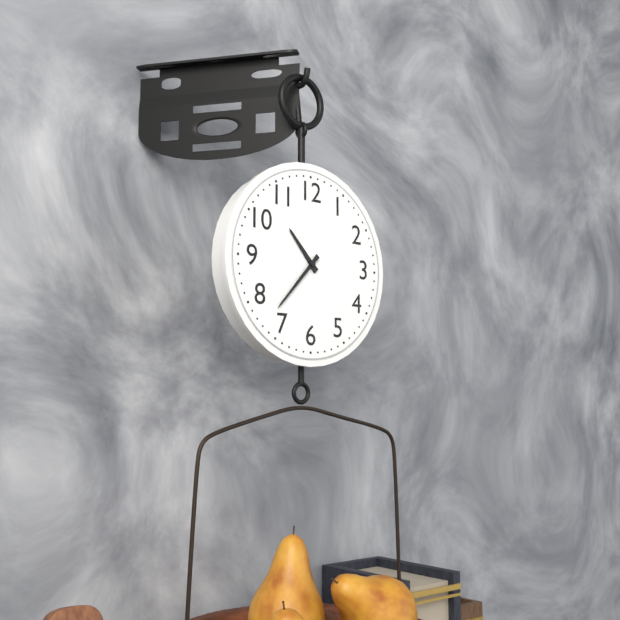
10:37
